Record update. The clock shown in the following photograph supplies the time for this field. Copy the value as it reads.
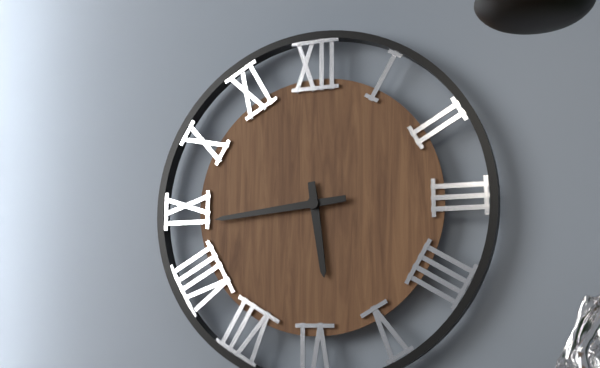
5:44
